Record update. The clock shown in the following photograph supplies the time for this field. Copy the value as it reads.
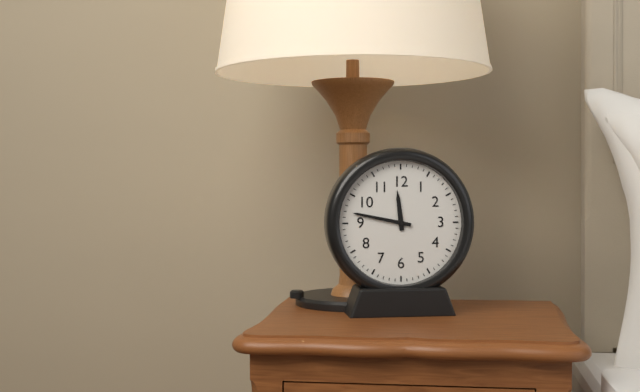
11:47
